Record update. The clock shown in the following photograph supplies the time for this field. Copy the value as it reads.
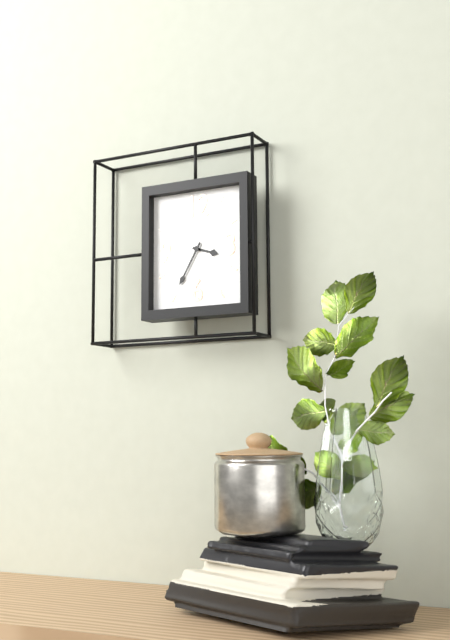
3:35
